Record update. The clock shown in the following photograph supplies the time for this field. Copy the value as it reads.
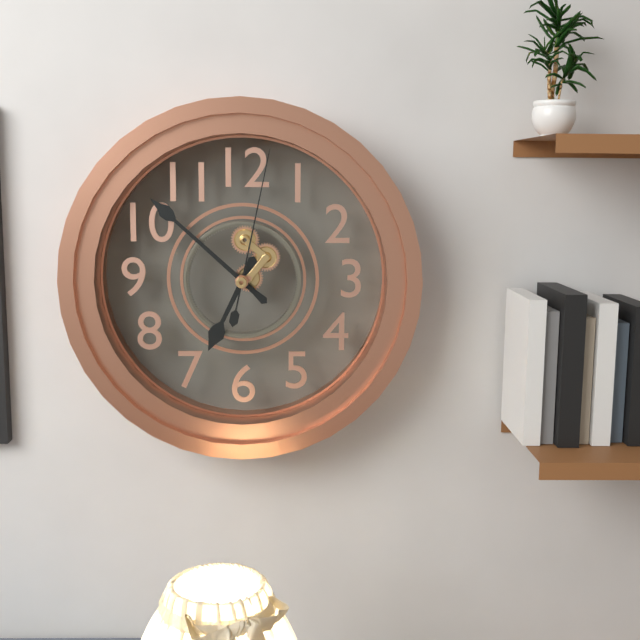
6:52:02
